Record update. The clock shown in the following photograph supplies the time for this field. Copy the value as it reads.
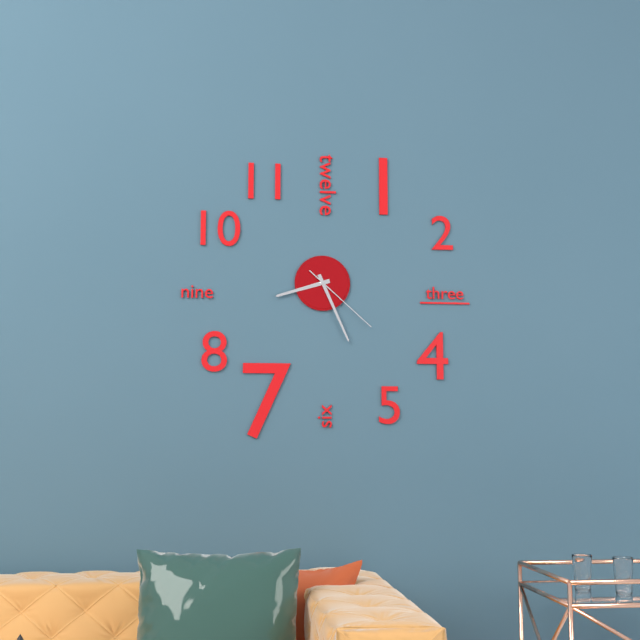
8:26:22
